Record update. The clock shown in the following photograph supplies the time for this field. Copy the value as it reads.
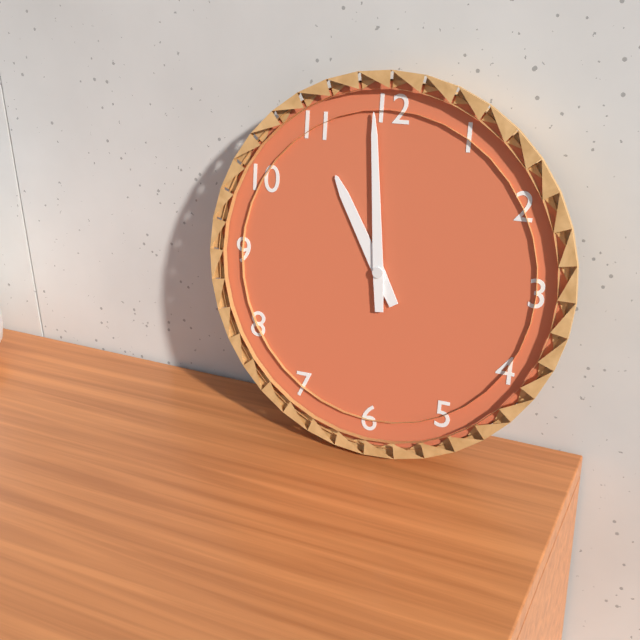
10:59
